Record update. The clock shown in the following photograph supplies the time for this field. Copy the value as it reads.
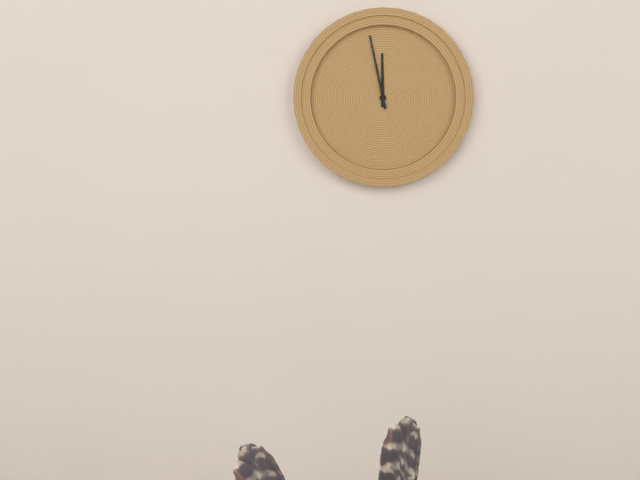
11:58
